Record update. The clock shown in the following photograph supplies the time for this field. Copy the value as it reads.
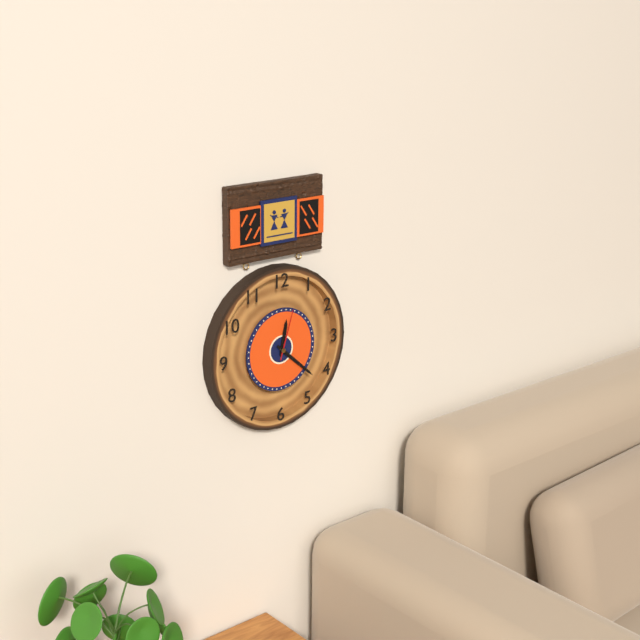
12:22:03
